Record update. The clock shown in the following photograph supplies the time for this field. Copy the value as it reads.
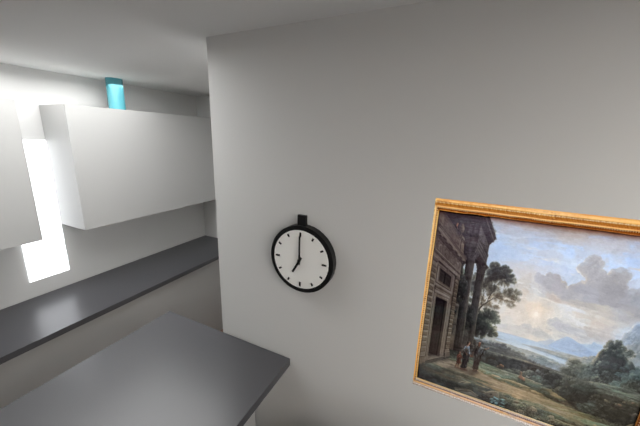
7:00
